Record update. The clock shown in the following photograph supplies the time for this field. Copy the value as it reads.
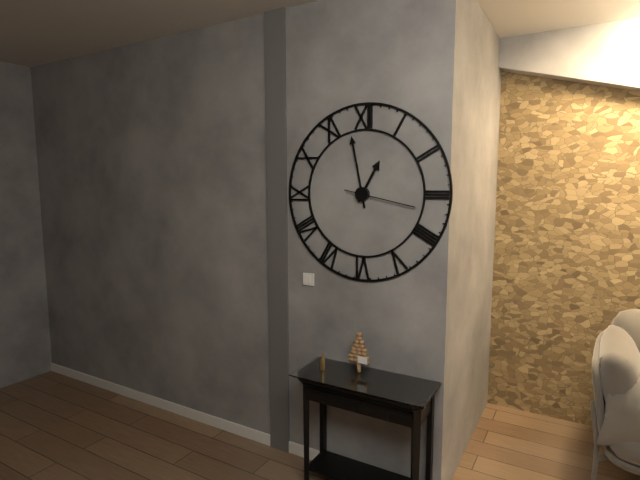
12:58:17
